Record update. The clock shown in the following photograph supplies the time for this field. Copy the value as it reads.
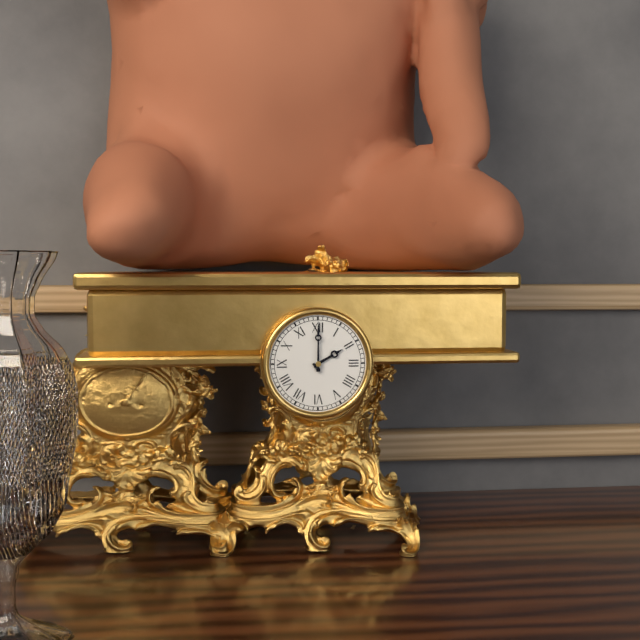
2:00
